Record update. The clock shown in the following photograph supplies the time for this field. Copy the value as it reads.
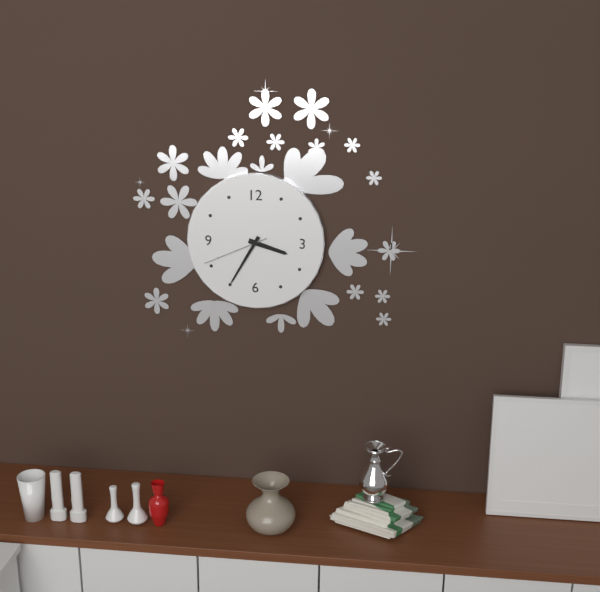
3:35:41
